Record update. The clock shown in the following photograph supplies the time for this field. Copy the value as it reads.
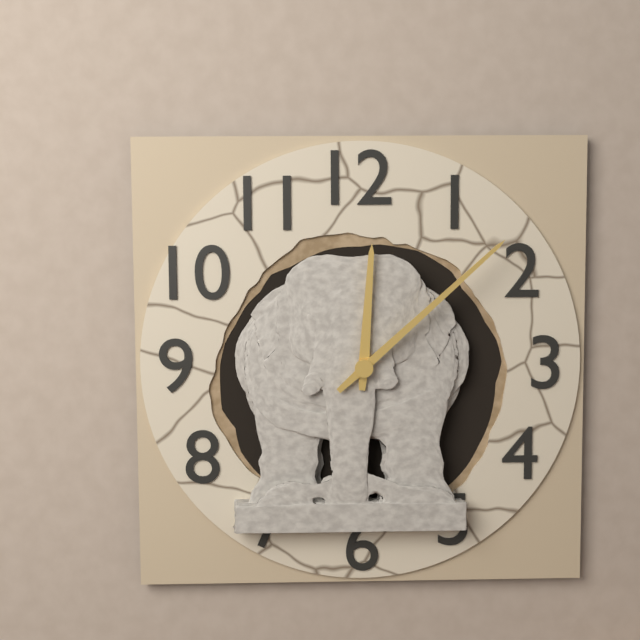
12:08
